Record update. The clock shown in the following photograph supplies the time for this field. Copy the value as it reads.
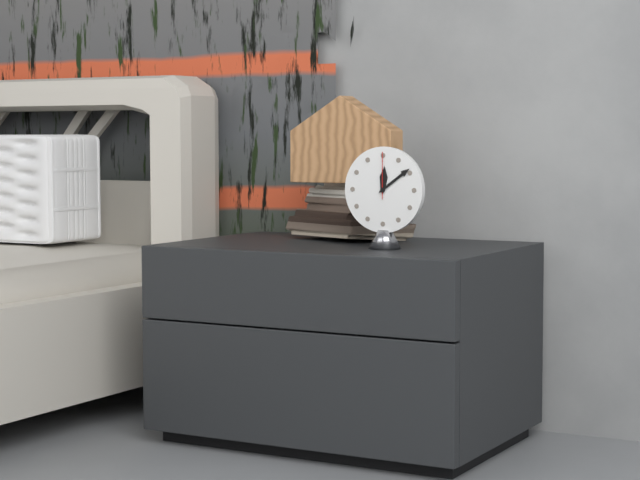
12:09
